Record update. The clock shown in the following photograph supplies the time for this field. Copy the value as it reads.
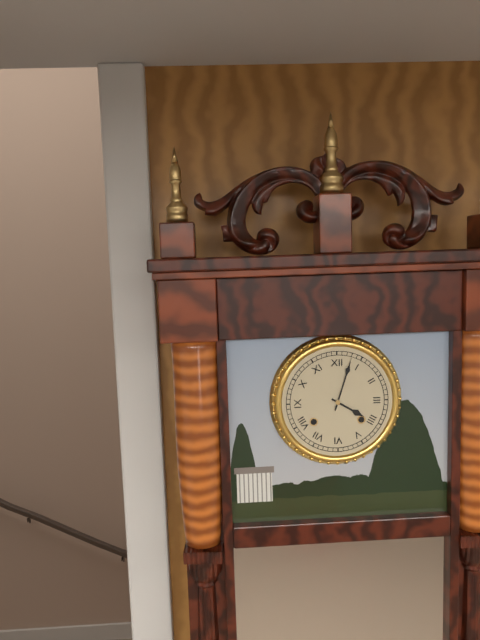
4:03
